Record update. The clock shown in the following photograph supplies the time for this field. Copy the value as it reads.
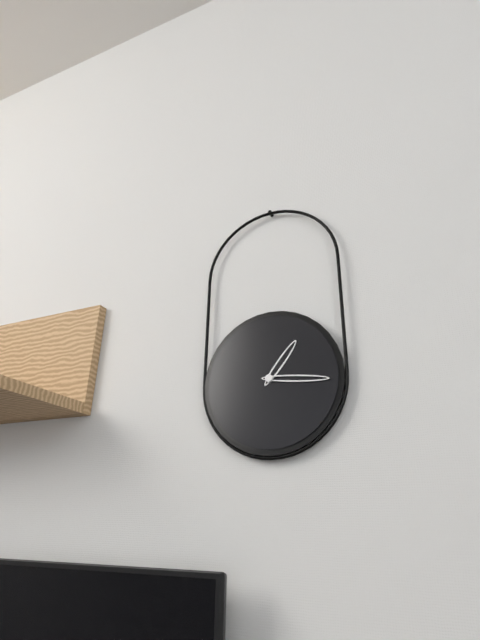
1:16
